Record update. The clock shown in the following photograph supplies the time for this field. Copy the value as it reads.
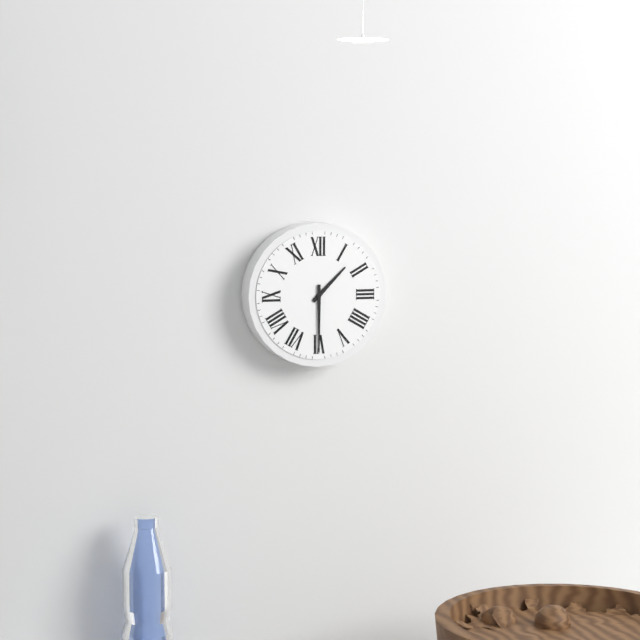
1:30
